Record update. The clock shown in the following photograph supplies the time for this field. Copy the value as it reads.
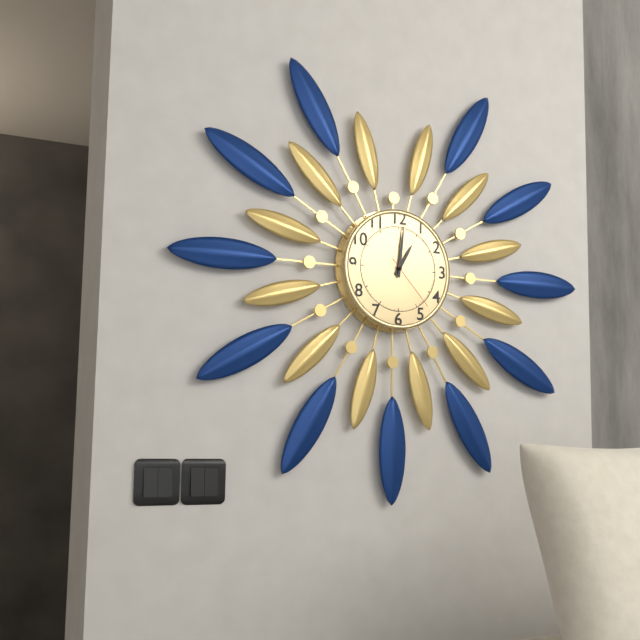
1:01:23
